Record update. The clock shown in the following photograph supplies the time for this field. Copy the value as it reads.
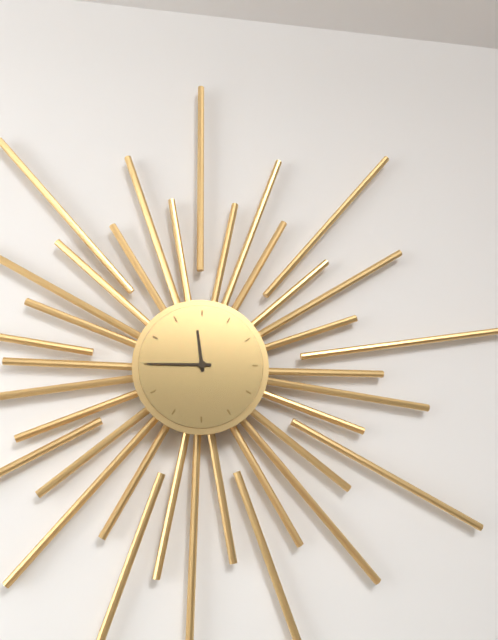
11:45
